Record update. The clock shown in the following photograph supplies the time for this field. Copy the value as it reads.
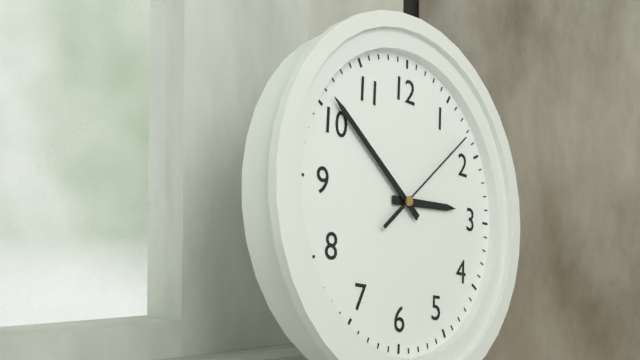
2:51:08
